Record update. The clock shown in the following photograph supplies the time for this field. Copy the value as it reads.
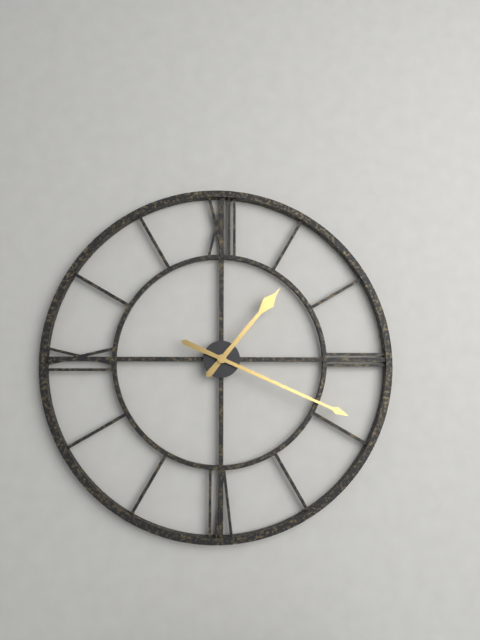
1:19
